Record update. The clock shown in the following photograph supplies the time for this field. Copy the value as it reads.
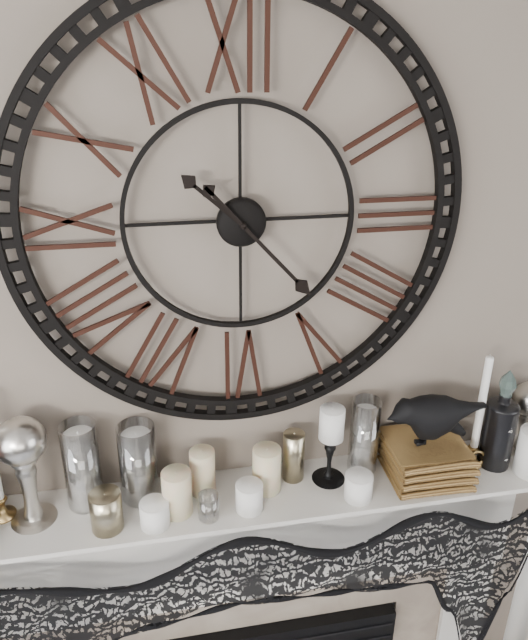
10:23
